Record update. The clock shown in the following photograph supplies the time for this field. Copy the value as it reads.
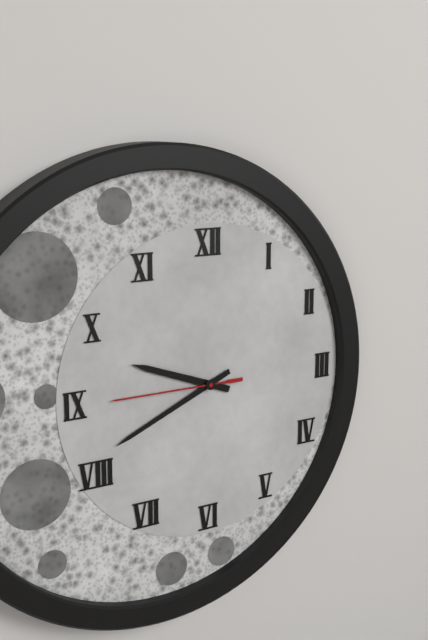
9:41:45
